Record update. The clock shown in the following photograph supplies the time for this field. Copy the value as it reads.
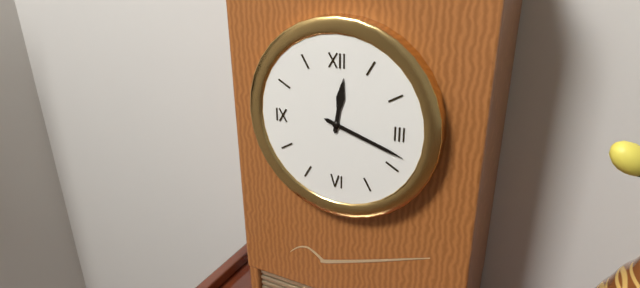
12:18
